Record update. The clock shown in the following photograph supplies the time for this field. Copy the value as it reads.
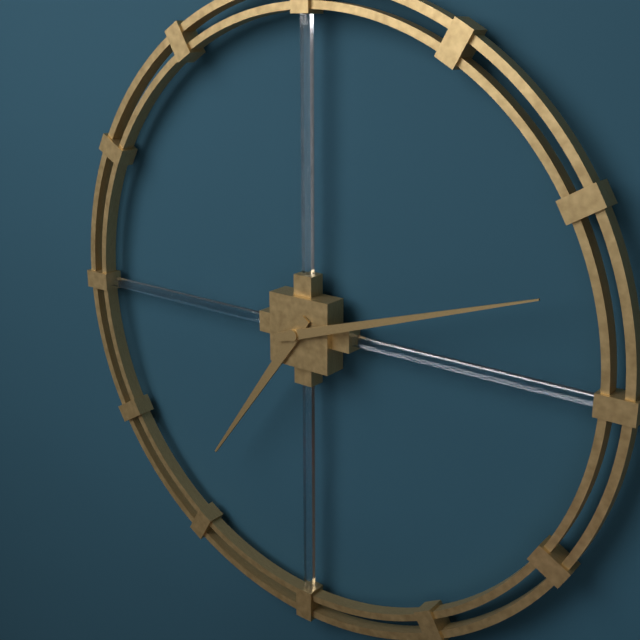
7:12
